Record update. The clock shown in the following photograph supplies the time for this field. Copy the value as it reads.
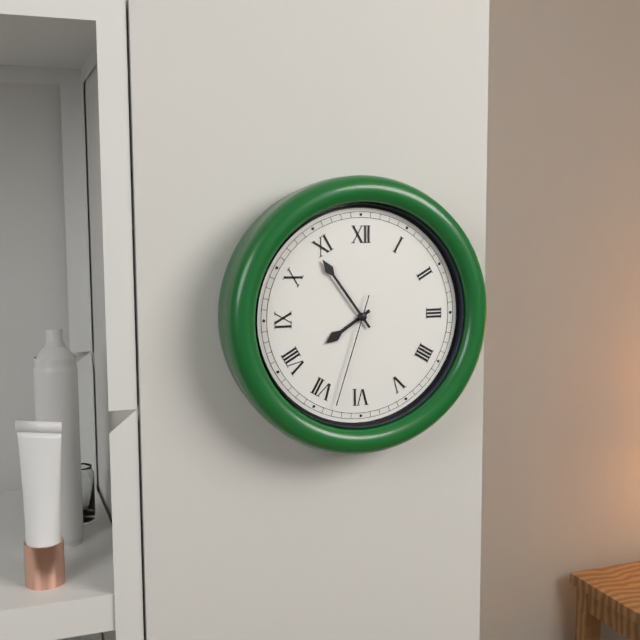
7:54:33
